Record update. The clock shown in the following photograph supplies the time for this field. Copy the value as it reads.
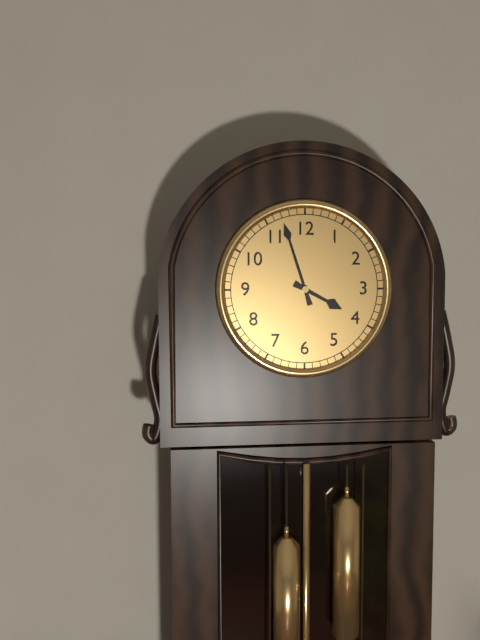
3:57
